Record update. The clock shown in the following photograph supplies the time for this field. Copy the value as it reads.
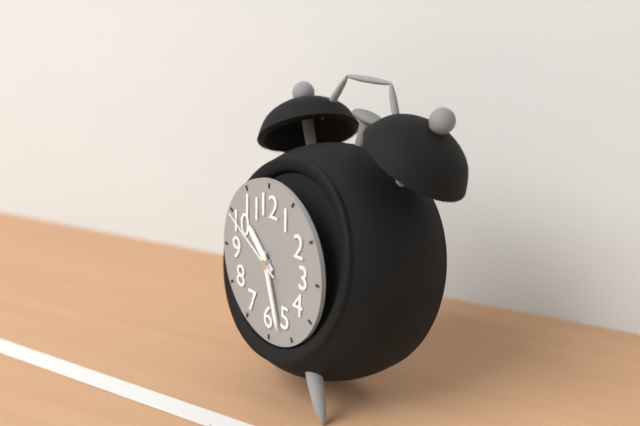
10:27:50
